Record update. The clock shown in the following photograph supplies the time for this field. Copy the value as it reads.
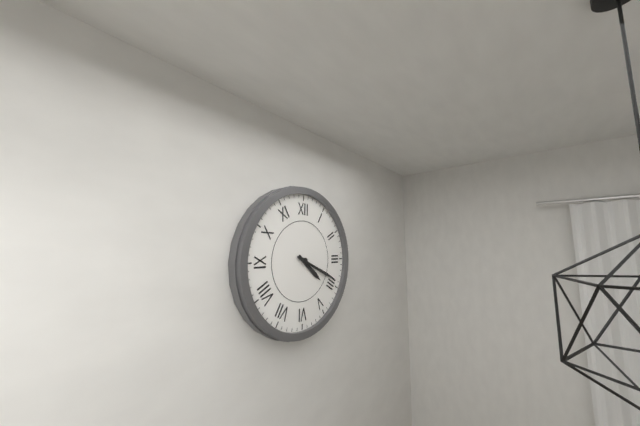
4:19
